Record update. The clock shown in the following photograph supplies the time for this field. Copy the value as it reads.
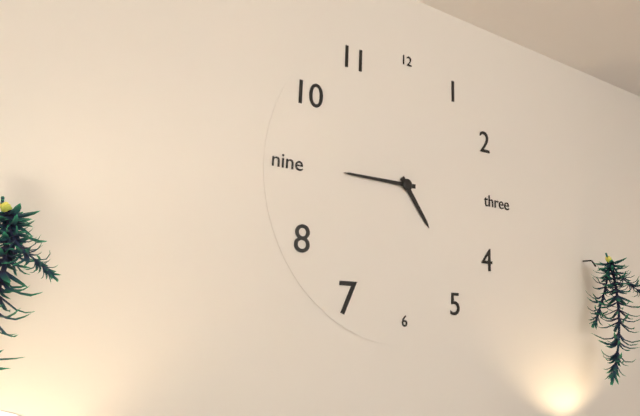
4:45
